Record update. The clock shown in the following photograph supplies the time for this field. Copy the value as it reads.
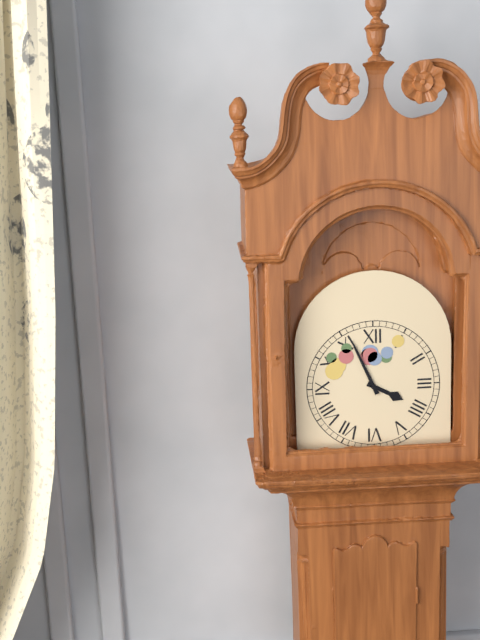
3:56
